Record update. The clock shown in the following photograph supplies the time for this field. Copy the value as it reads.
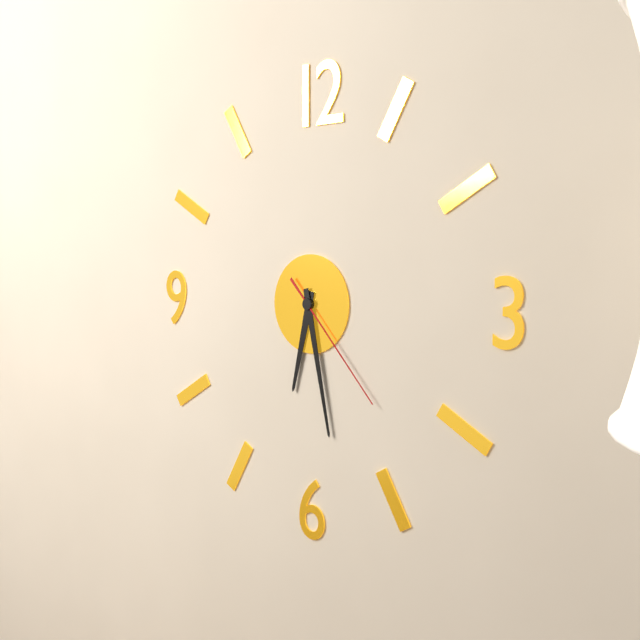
6:28:23
